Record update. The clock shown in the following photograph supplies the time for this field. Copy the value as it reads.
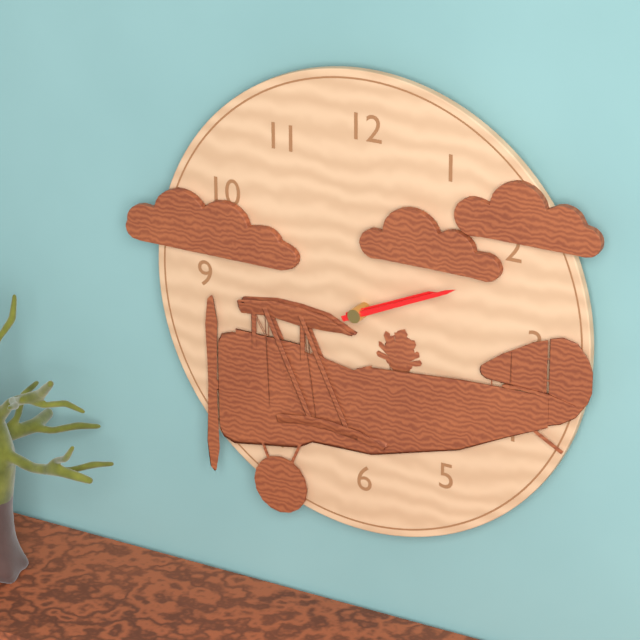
2:11
